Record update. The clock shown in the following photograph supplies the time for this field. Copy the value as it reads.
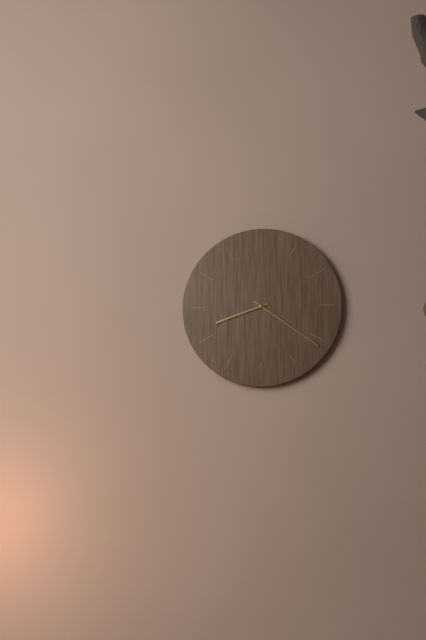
8:21
